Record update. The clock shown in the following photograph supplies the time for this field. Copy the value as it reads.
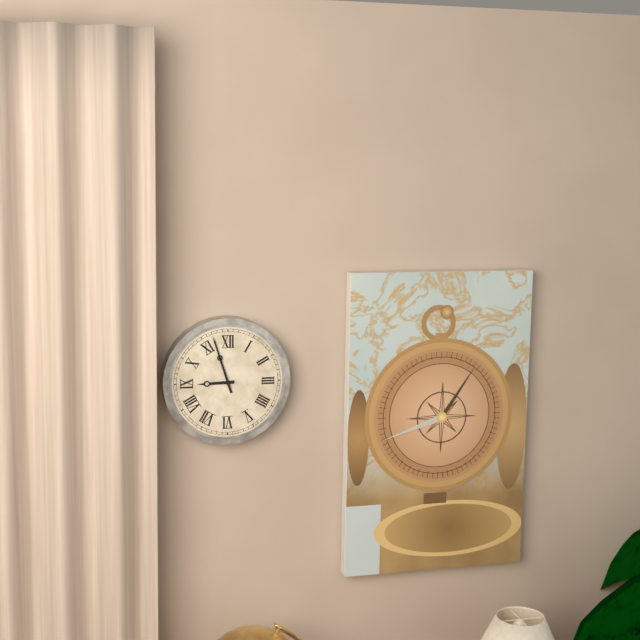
8:57
